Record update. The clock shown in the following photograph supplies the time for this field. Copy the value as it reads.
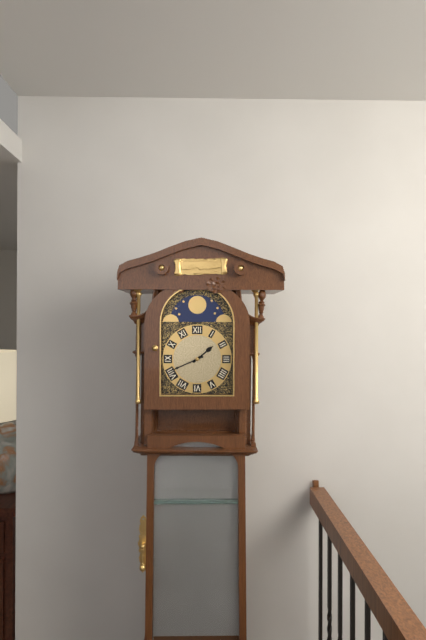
1:41
